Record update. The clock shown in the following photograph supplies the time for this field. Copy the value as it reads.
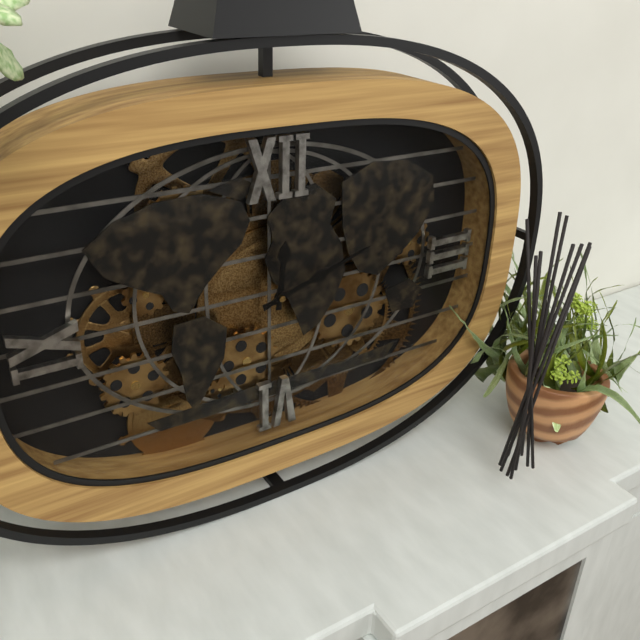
12:12
